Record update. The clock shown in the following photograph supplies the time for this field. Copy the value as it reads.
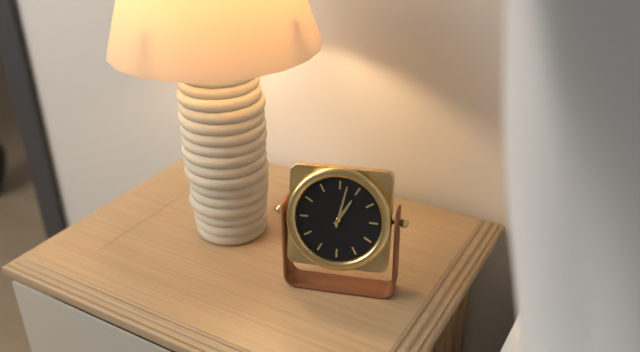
1:02
